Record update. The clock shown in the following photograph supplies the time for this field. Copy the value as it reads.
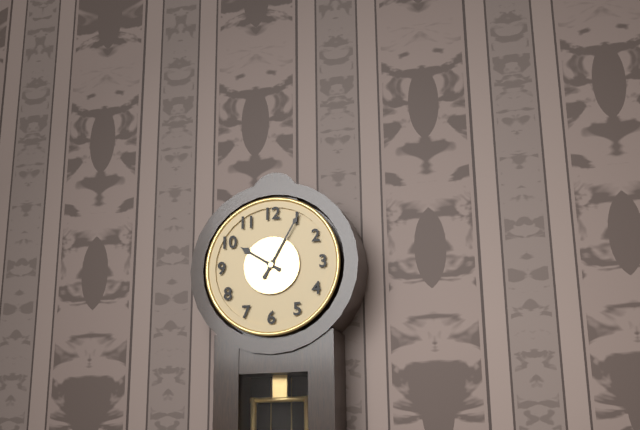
10:05
